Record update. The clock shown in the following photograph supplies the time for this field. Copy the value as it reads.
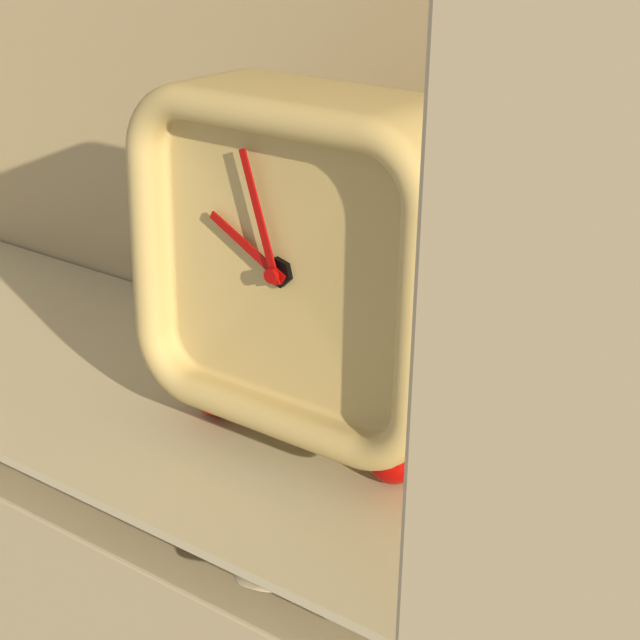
9:57
